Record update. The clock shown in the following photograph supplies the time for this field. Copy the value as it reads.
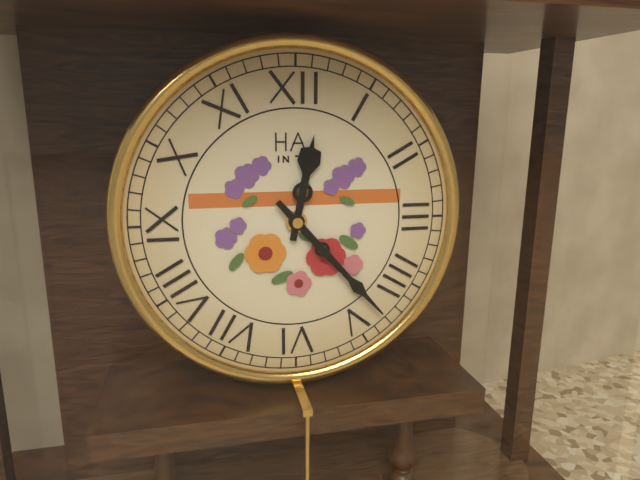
12:23
